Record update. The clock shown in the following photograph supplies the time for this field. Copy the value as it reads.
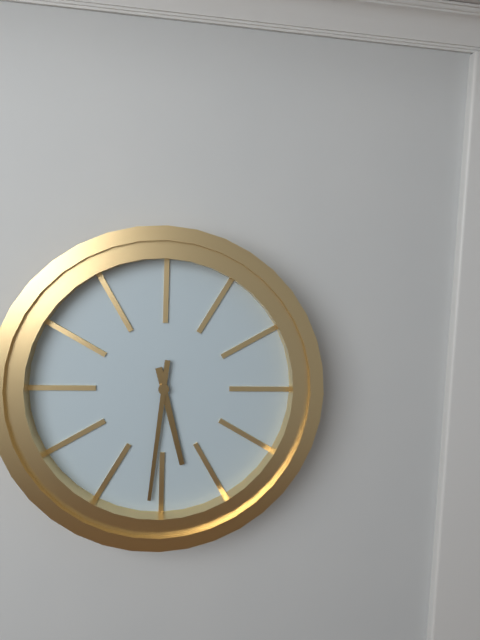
5:31
